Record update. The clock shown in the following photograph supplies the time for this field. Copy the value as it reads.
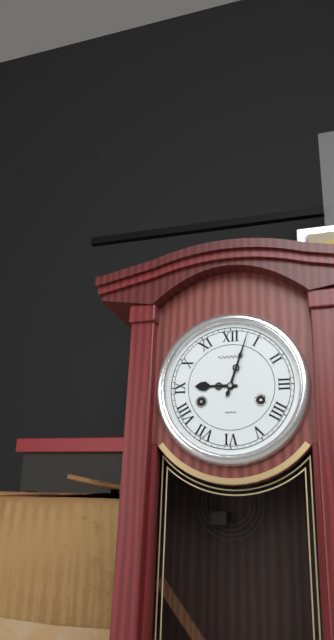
9:03
